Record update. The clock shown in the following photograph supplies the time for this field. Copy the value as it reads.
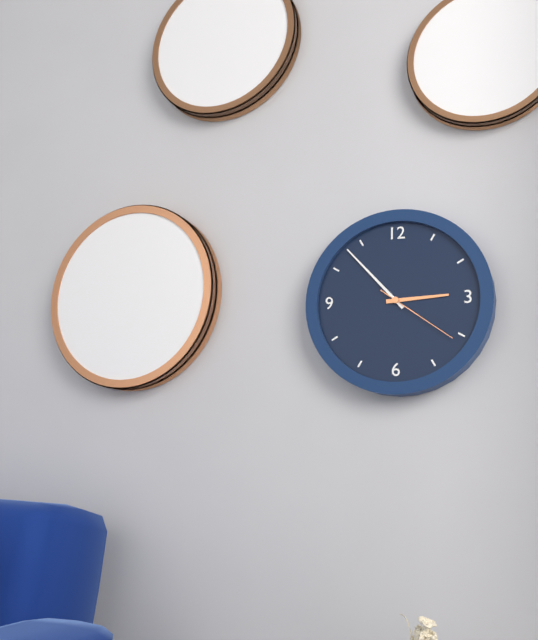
2:53:21
